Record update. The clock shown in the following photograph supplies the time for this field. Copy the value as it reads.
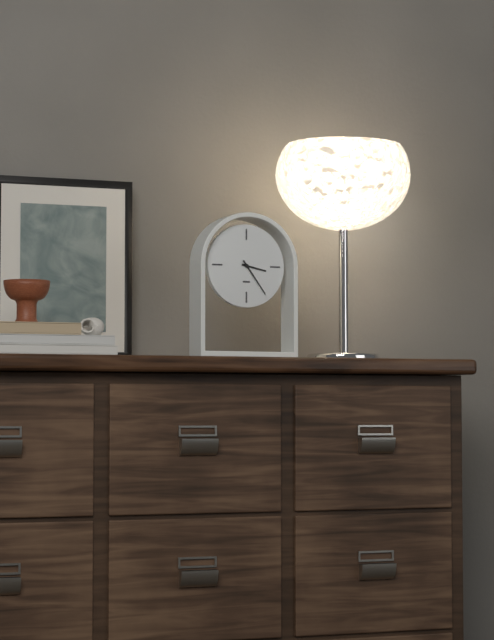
3:24
